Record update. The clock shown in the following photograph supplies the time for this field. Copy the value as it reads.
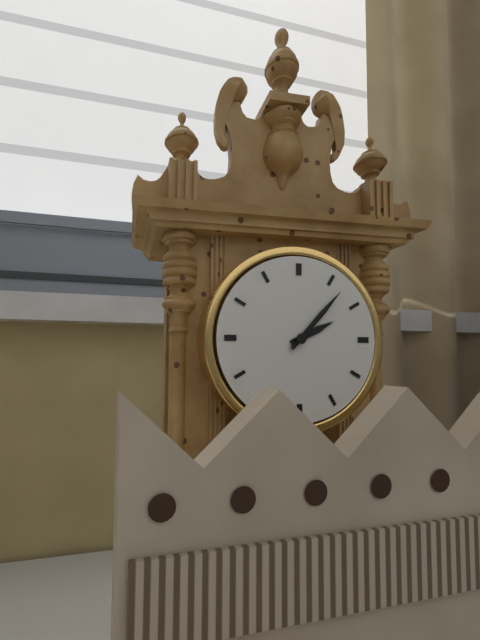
2:07
